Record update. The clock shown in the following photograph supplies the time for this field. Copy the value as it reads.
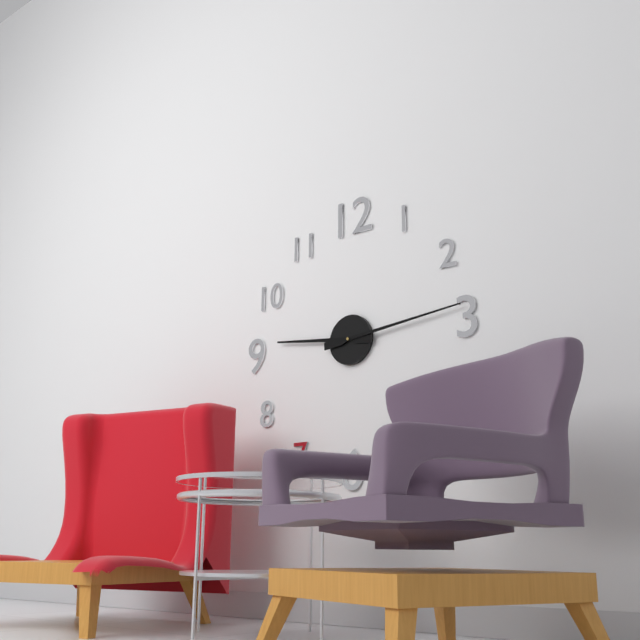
9:14
